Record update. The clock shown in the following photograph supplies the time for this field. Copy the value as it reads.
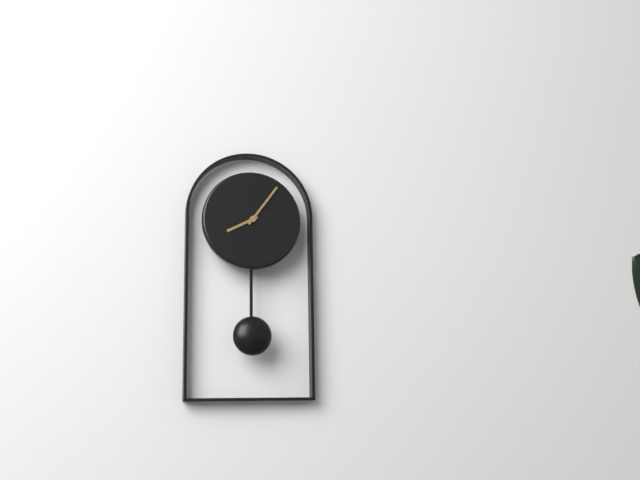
8:06
